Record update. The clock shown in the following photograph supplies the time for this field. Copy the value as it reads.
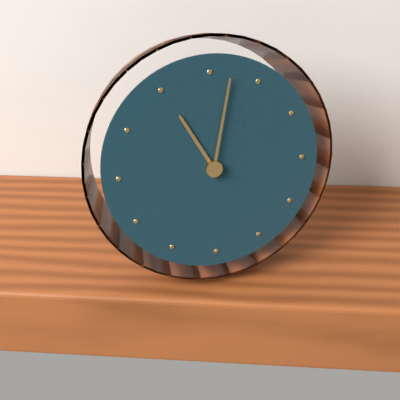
11:02
